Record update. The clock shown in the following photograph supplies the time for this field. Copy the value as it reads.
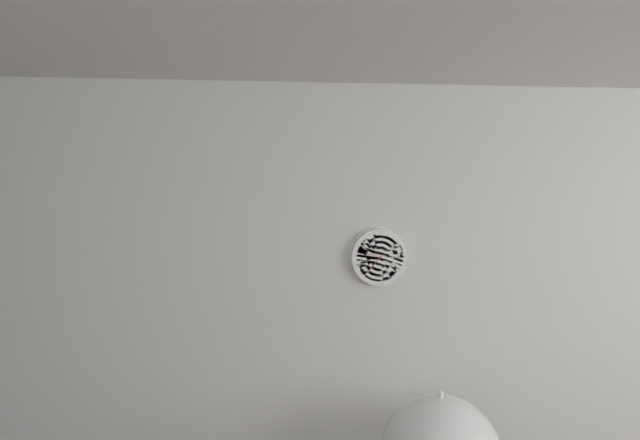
9:37
